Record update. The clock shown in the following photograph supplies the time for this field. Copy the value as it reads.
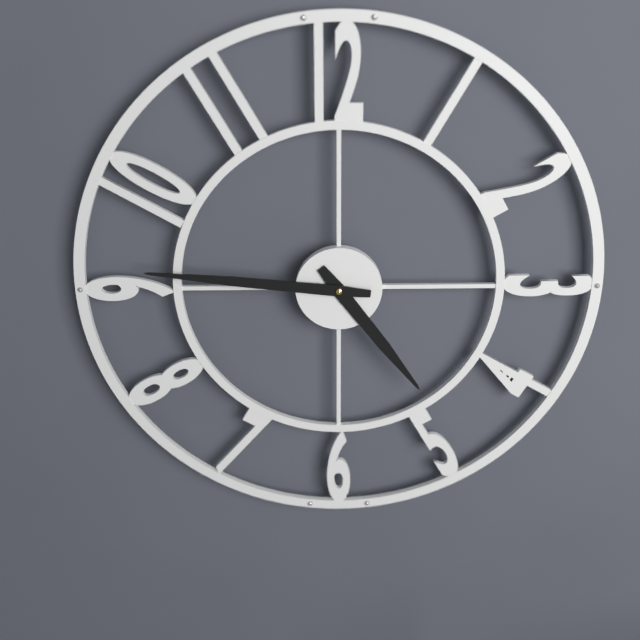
4:46
